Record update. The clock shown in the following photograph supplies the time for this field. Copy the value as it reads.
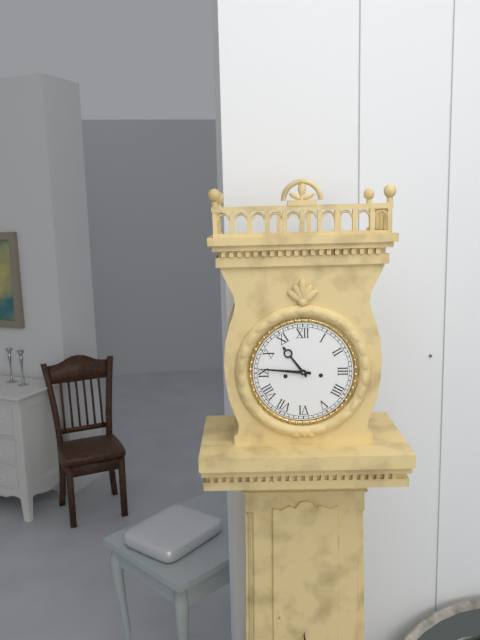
10:46
